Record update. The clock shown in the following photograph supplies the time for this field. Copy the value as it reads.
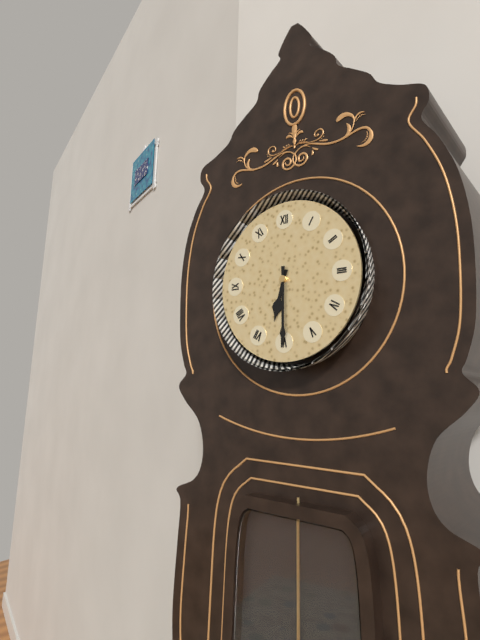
6:30
